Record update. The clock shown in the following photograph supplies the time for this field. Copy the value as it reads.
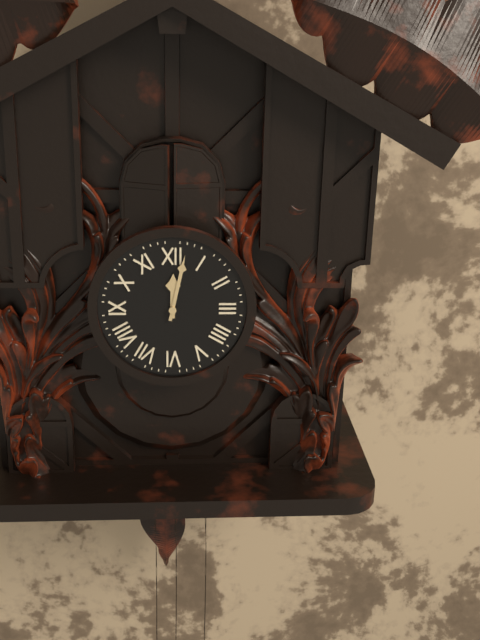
12:02
